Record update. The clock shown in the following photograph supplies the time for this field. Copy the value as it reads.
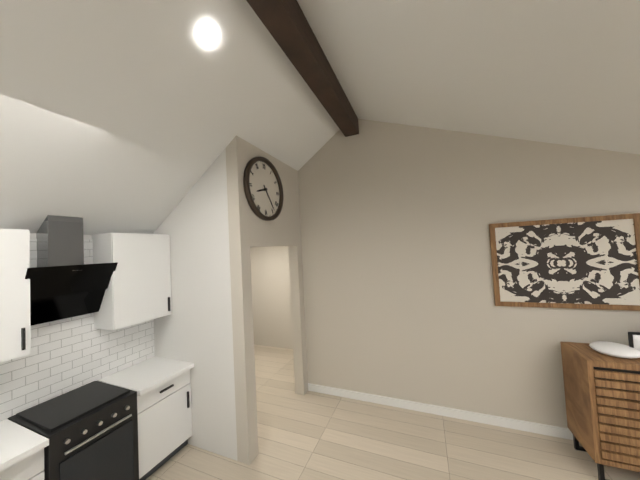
8:24
